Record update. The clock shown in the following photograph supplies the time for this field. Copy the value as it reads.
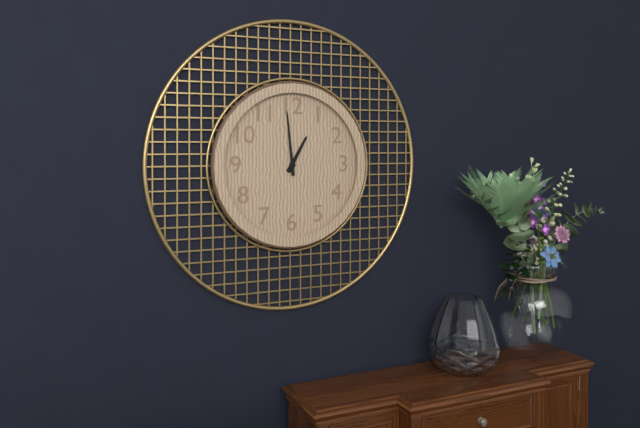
12:59
